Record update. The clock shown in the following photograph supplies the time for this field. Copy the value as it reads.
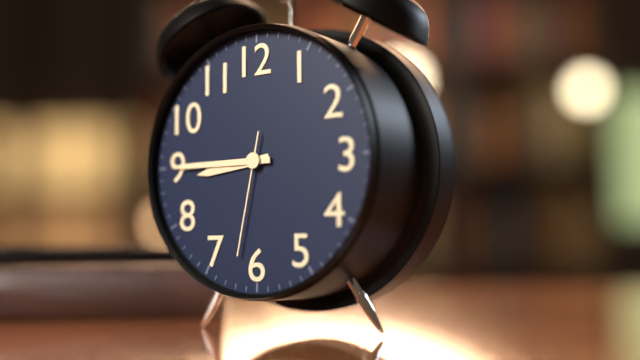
8:45:32
